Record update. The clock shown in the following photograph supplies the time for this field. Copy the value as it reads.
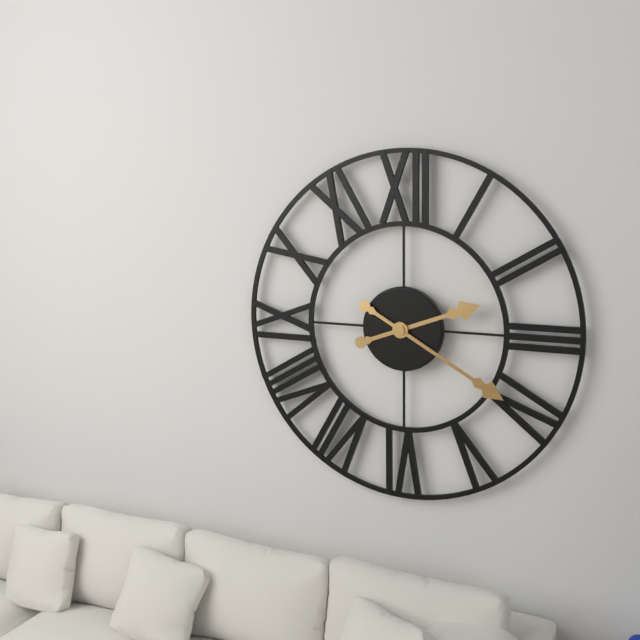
2:20
